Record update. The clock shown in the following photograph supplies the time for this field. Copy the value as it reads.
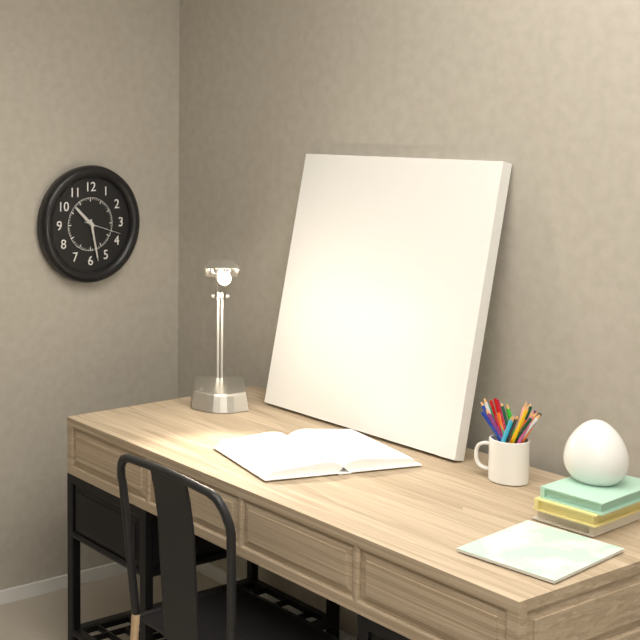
10:28
